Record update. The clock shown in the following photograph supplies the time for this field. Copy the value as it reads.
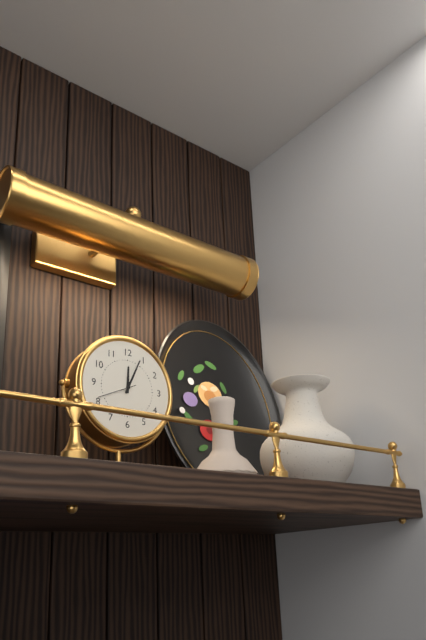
12:04
